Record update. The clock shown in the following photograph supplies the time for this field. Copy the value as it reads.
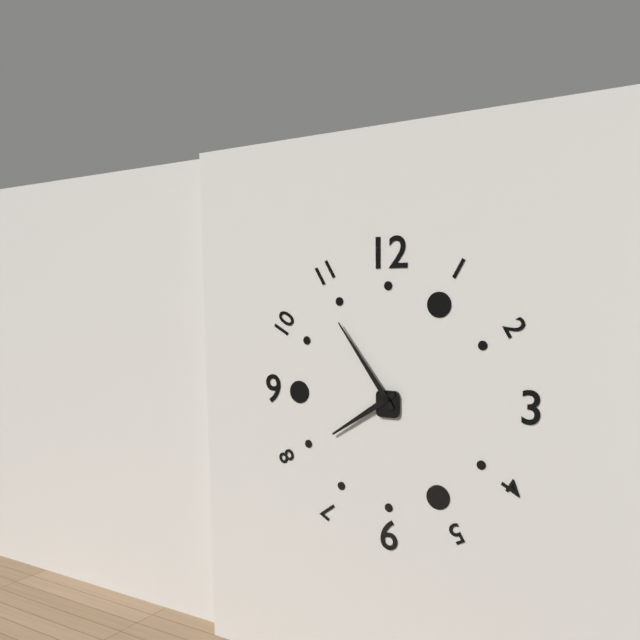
7:54
